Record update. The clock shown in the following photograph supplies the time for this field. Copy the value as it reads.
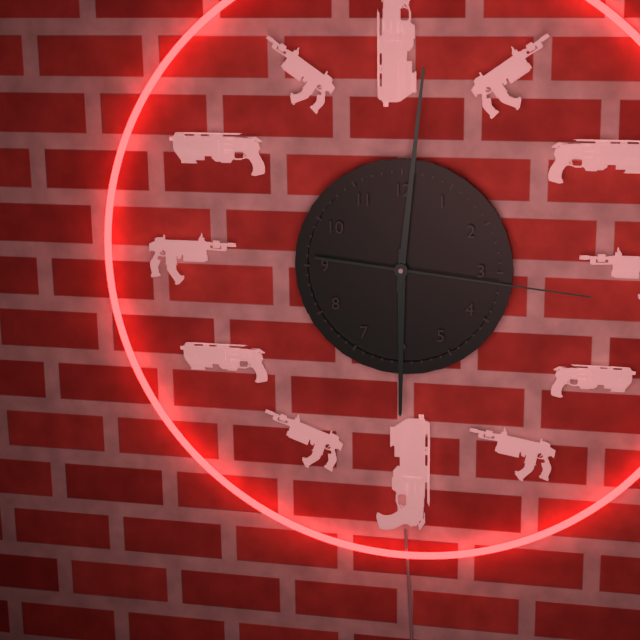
6:01:16
